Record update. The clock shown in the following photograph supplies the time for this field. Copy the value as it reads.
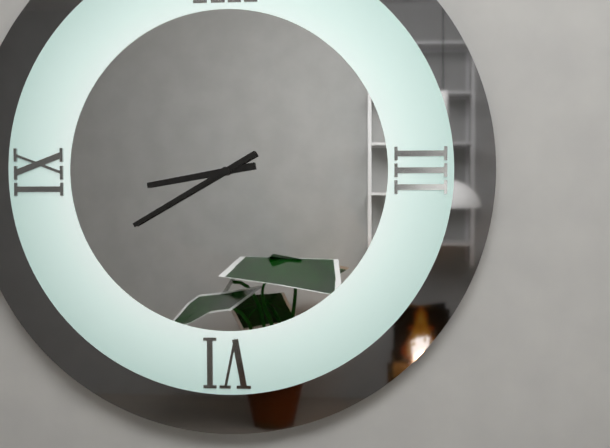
8:40
